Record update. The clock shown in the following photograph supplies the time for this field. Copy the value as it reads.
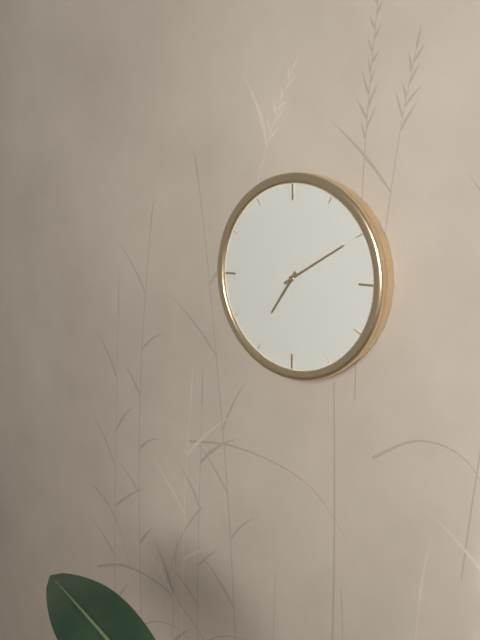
7:10
